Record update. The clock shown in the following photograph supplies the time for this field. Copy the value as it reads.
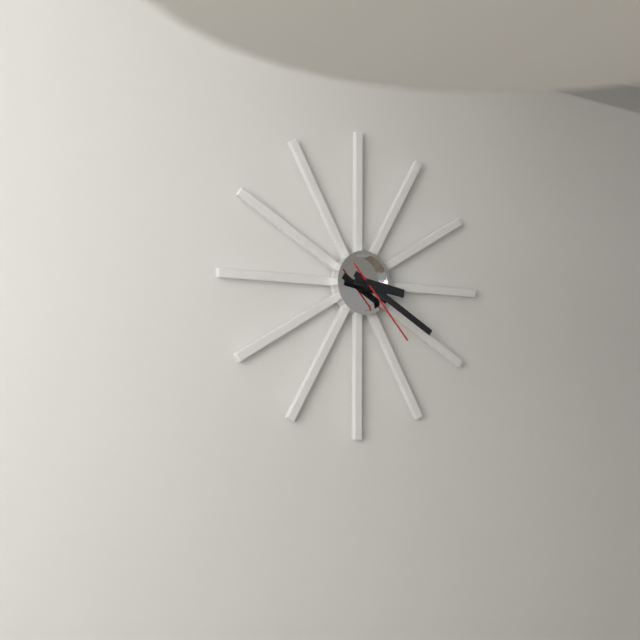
3:20:23
